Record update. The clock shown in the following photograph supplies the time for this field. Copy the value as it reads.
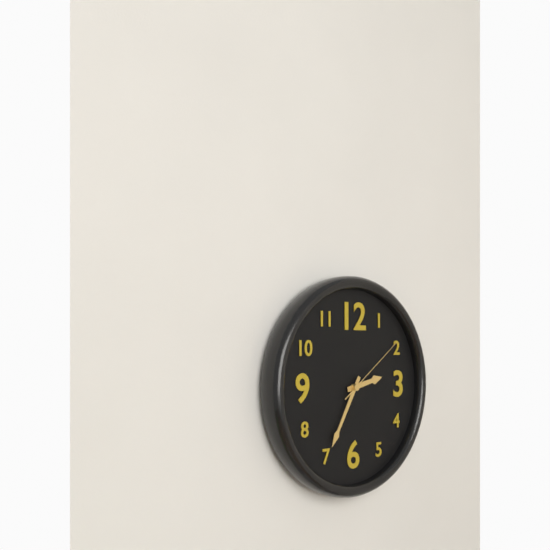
2:35:09
